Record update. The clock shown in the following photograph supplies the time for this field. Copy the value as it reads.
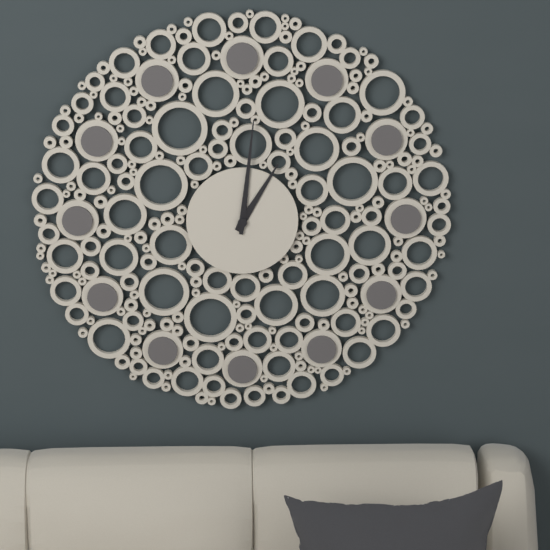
1:01
